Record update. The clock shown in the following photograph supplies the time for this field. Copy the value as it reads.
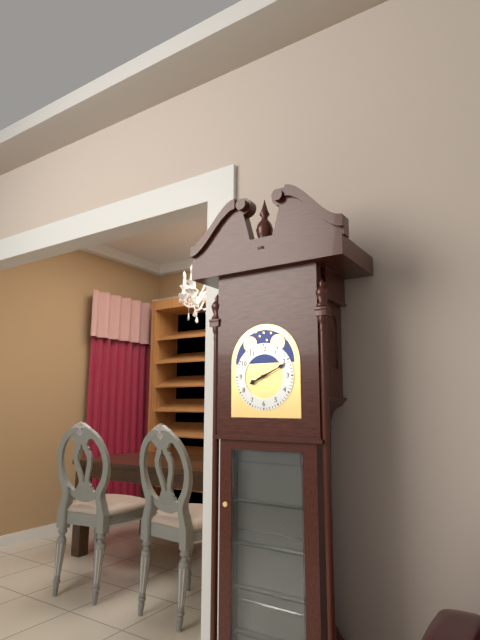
8:11
